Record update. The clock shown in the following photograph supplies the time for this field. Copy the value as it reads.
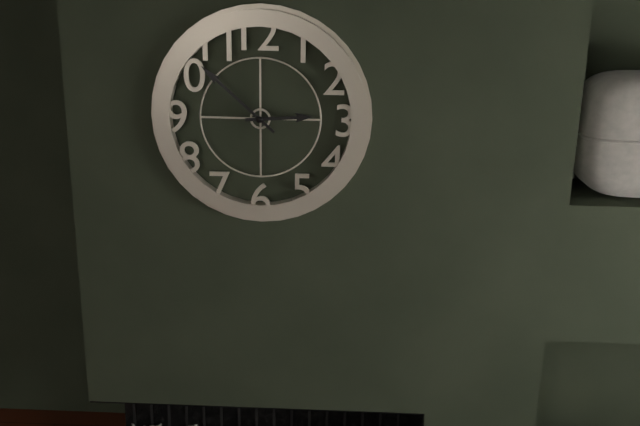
2:52
